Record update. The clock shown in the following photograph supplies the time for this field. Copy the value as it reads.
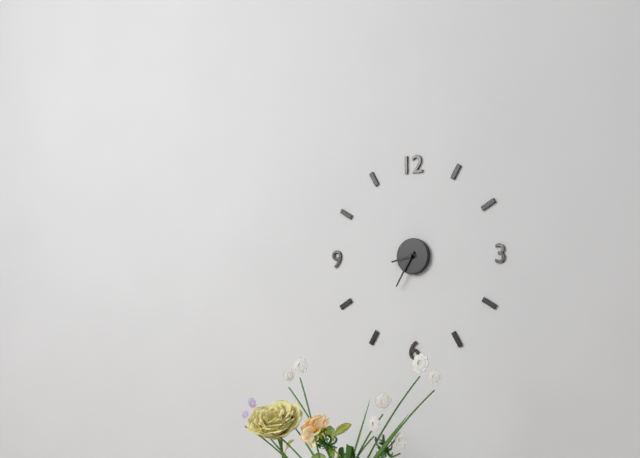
8:35
